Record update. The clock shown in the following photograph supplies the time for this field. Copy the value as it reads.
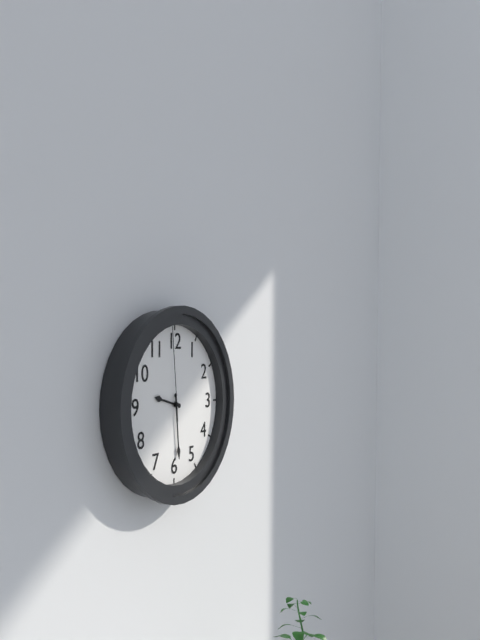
9:29:59
